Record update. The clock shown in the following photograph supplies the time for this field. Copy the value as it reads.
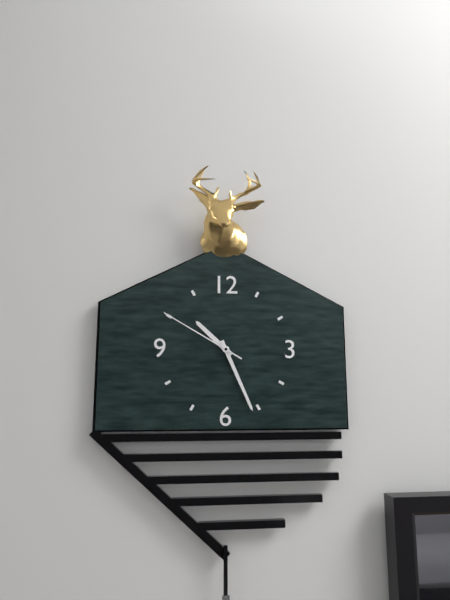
10:26:50
